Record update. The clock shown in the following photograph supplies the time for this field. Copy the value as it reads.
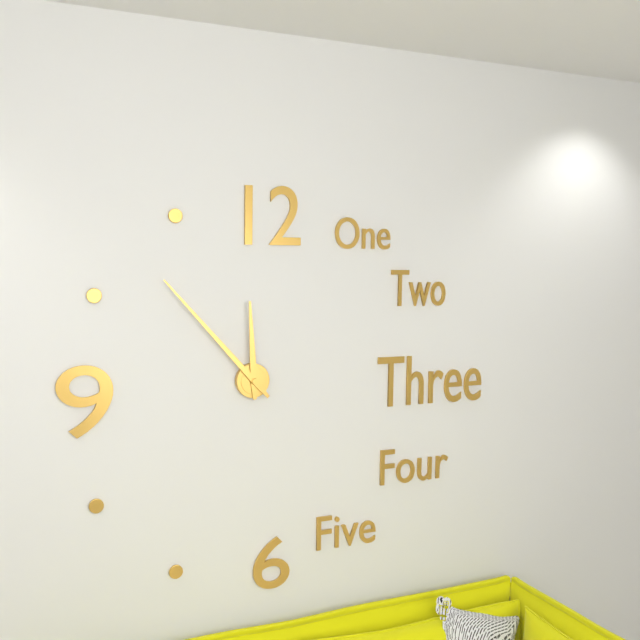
11:53
